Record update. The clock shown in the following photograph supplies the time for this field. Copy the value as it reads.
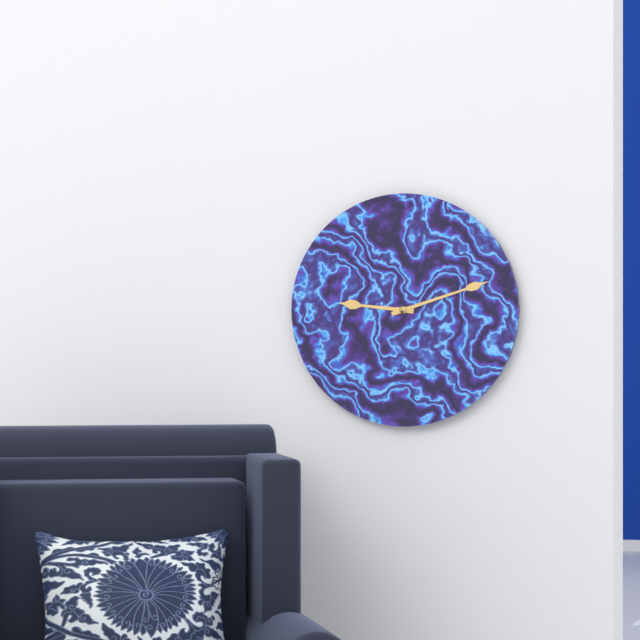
9:12
